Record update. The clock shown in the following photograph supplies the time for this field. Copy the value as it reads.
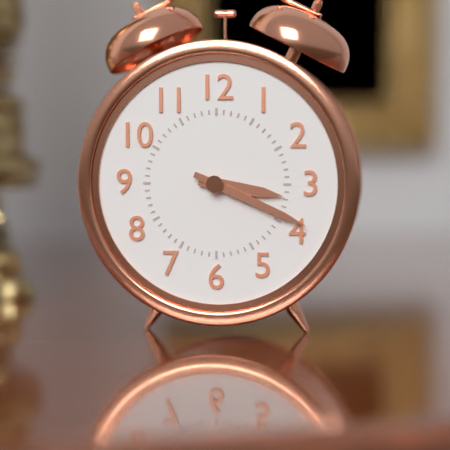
3:19
